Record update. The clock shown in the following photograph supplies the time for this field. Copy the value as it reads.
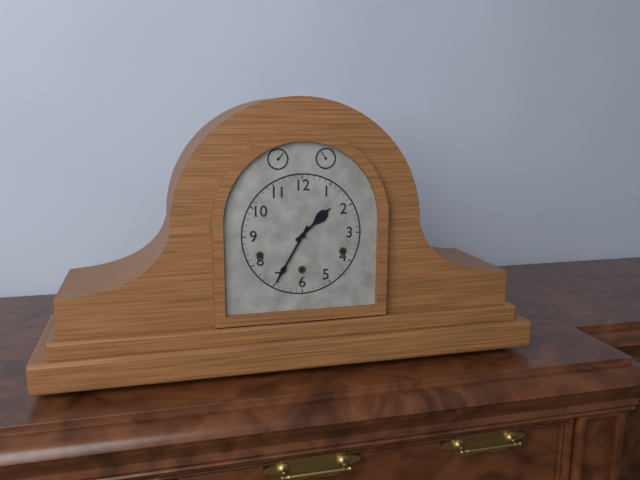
1:35
